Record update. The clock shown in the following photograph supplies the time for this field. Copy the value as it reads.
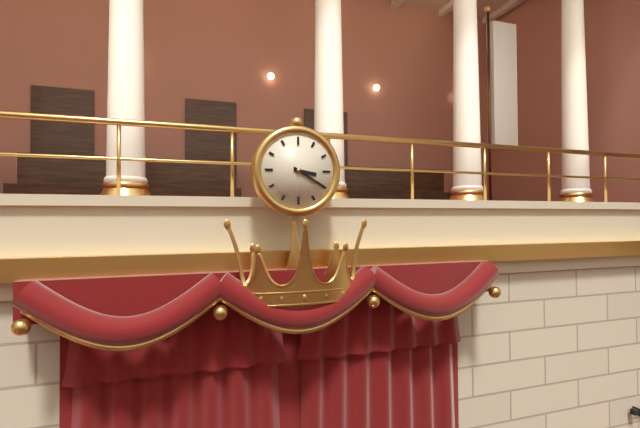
3:20
